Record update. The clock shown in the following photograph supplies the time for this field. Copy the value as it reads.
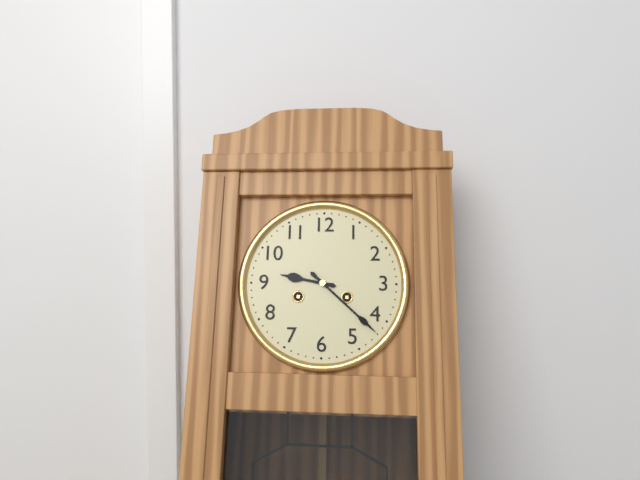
9:22
